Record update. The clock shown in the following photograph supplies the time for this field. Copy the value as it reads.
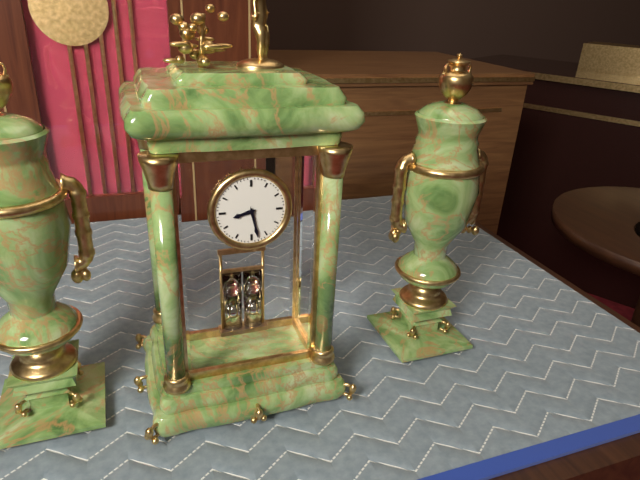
8:28
